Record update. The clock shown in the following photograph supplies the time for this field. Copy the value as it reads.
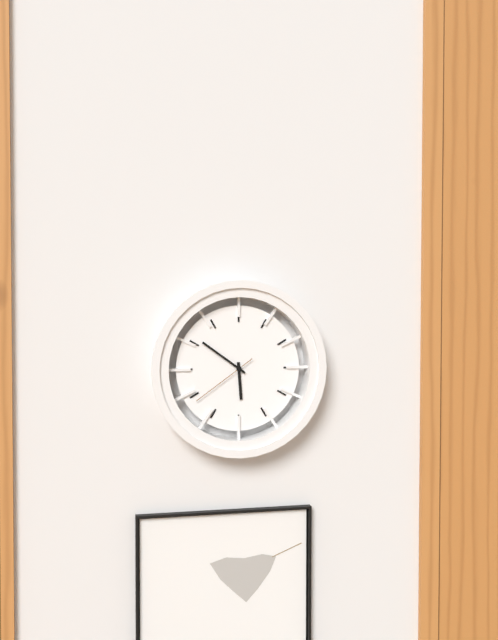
5:51:39
